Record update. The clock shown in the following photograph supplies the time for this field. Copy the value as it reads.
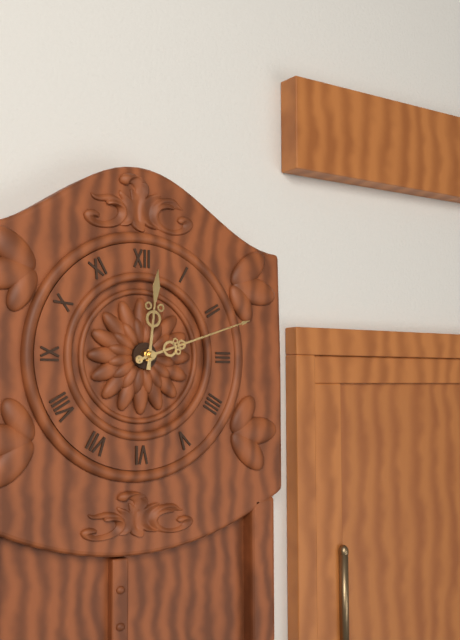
12:12
